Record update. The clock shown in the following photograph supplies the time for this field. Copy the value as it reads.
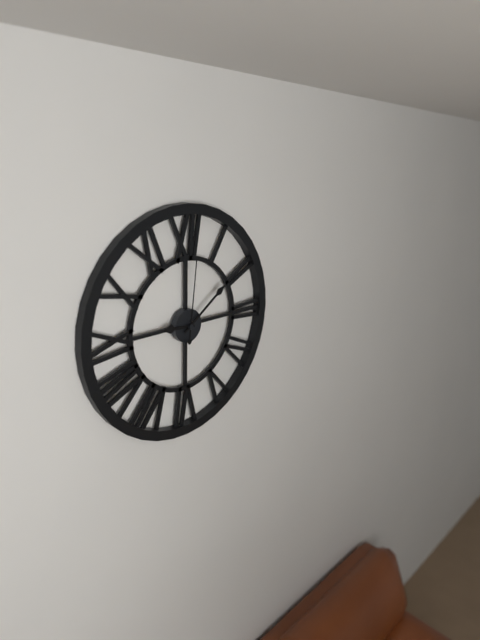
9:09:01
